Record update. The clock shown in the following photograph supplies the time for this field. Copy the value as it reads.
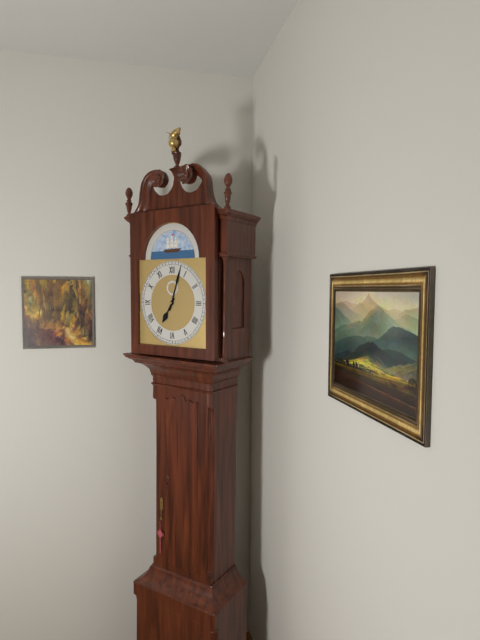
7:03
